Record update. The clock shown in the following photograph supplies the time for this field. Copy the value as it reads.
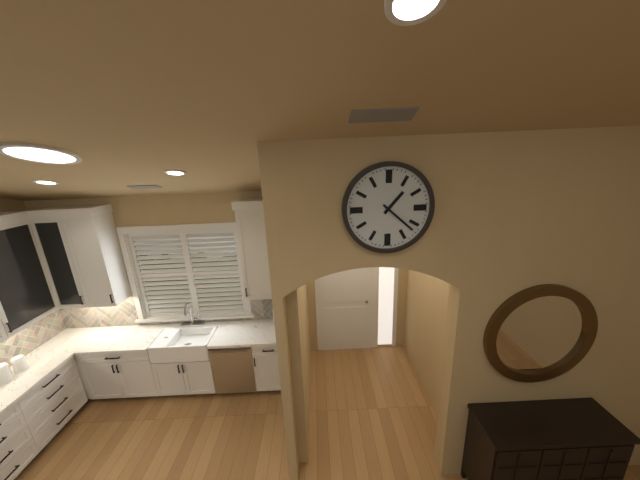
1:22
